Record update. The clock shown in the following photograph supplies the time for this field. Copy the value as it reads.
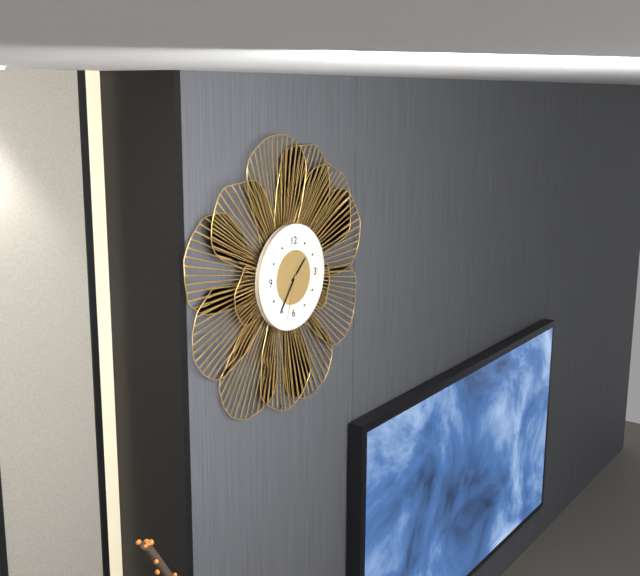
1:36:33
